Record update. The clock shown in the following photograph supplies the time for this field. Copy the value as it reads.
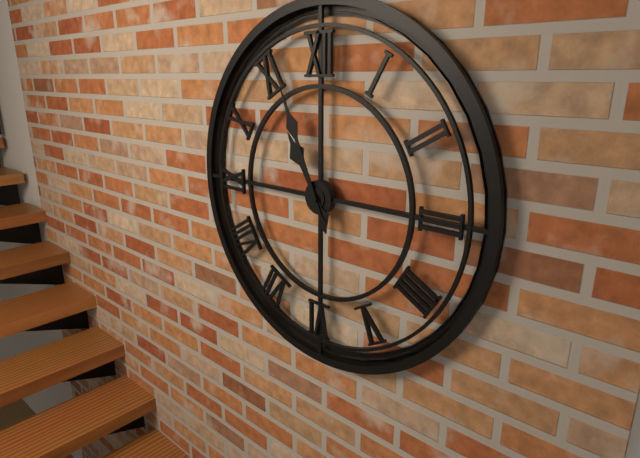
10:56
